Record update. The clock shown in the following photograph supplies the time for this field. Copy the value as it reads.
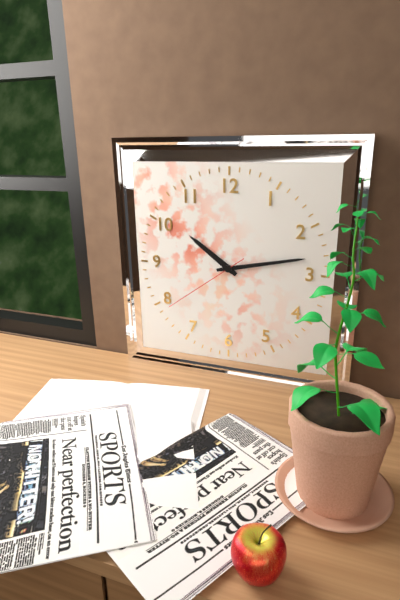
10:13:39
